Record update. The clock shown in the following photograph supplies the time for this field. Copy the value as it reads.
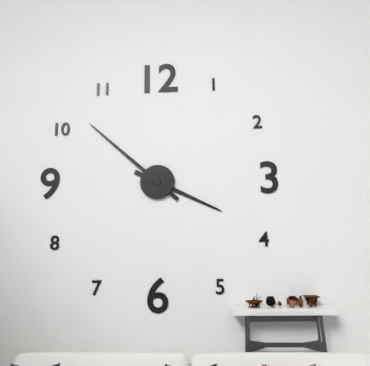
3:52
